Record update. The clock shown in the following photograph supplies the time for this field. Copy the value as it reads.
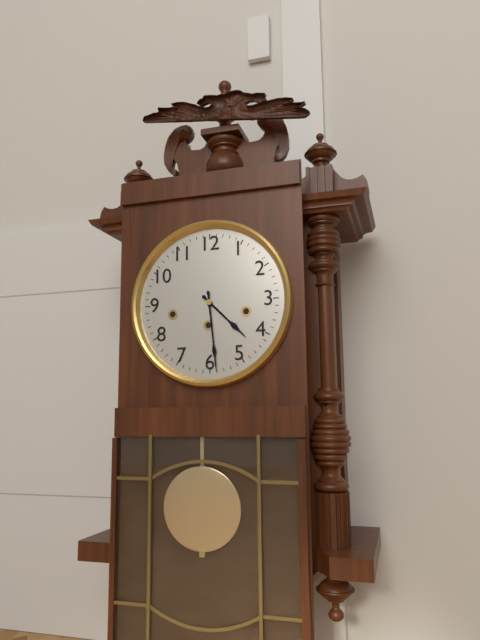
4:29
